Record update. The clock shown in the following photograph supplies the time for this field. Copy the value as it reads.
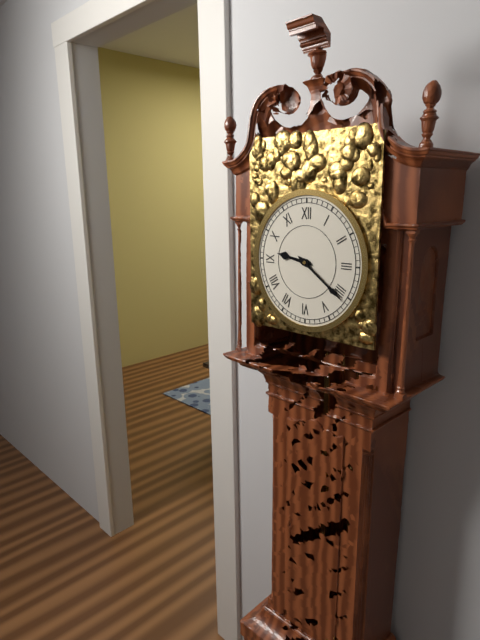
9:21
